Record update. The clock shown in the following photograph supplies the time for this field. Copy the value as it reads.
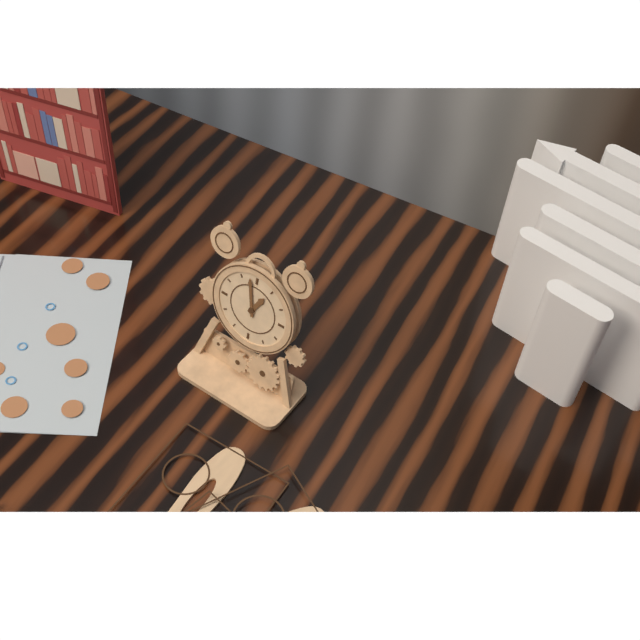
12:58
